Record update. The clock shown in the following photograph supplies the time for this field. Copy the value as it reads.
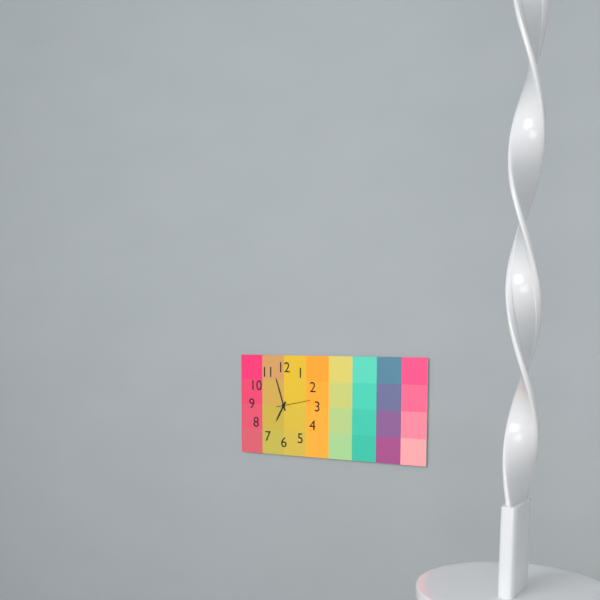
6:57
